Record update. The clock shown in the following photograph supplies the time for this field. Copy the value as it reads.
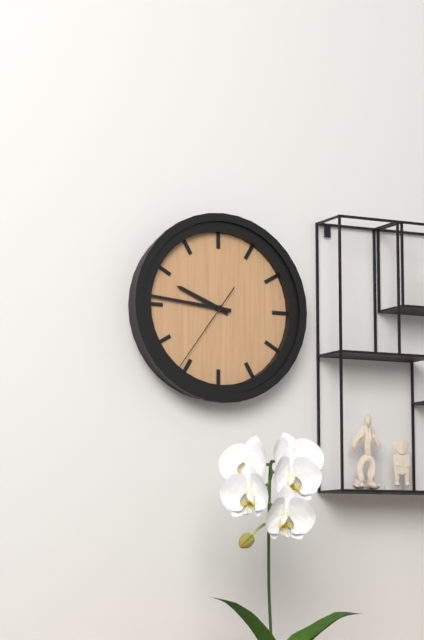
9:46:36
